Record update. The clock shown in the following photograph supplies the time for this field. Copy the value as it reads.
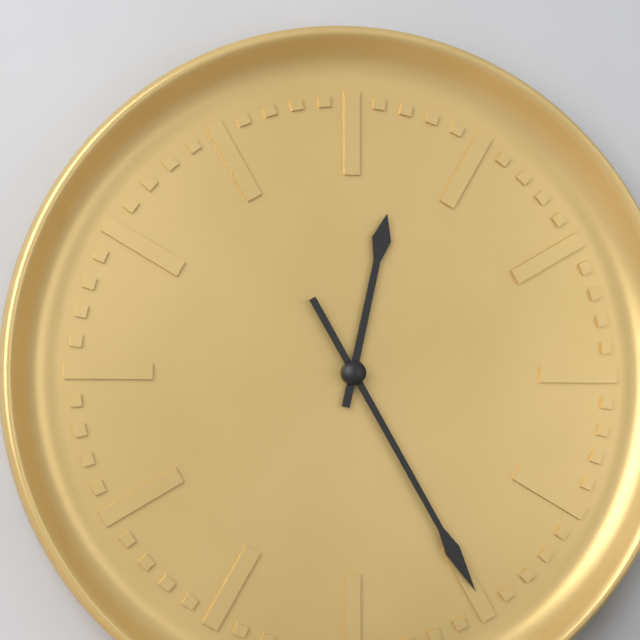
12:25
